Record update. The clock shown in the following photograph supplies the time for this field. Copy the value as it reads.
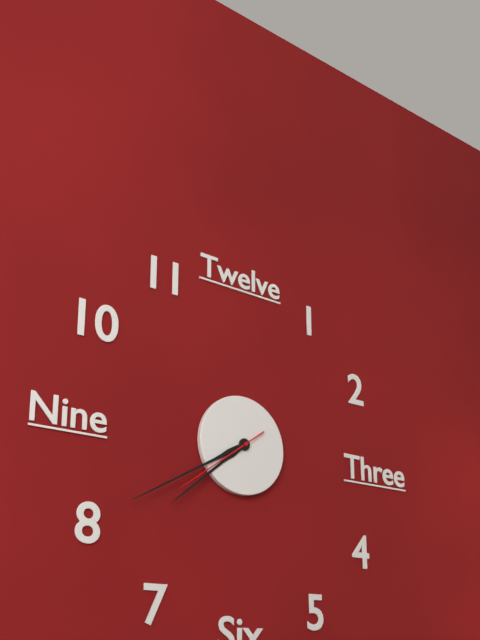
7:40:39
